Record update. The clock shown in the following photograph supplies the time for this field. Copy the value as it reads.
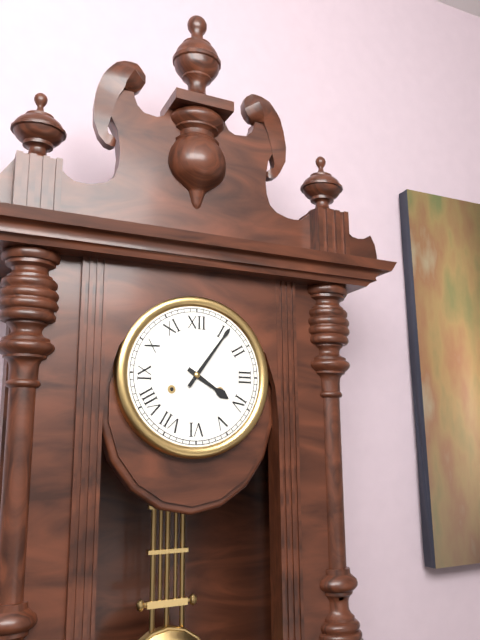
4:06
